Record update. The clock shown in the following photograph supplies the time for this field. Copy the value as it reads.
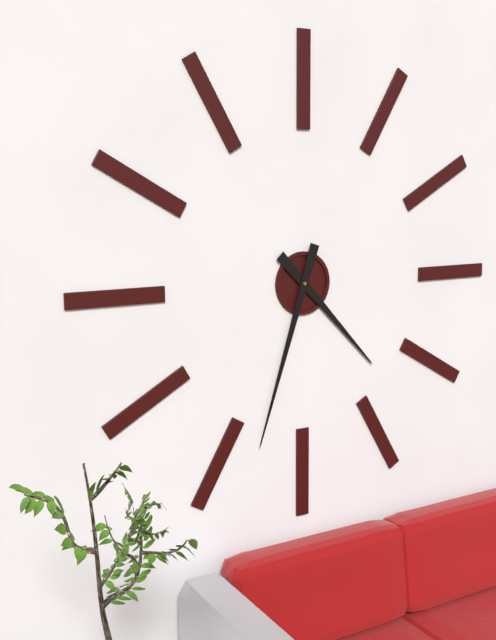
4:33
